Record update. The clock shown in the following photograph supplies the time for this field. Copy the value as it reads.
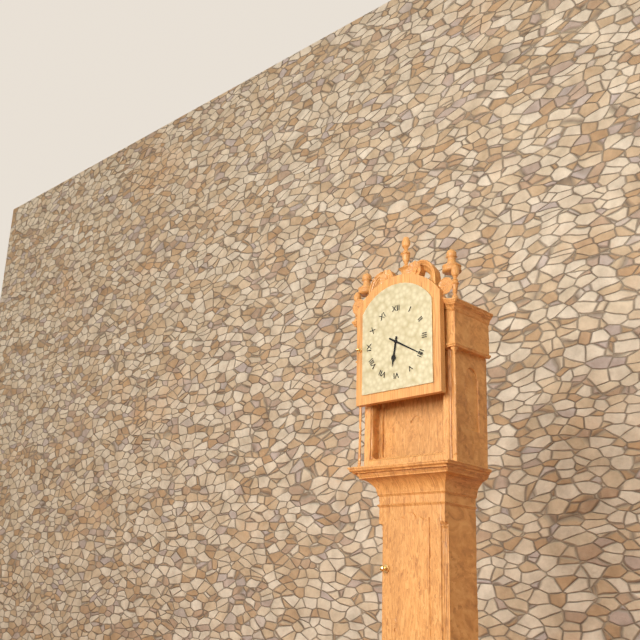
6:20
